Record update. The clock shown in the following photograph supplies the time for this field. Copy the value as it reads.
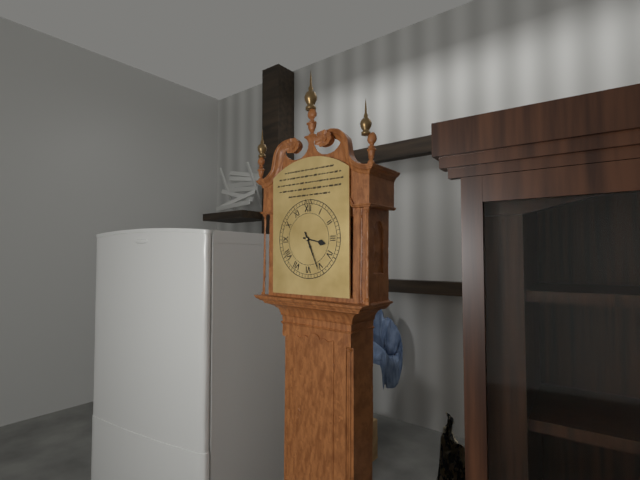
3:26
